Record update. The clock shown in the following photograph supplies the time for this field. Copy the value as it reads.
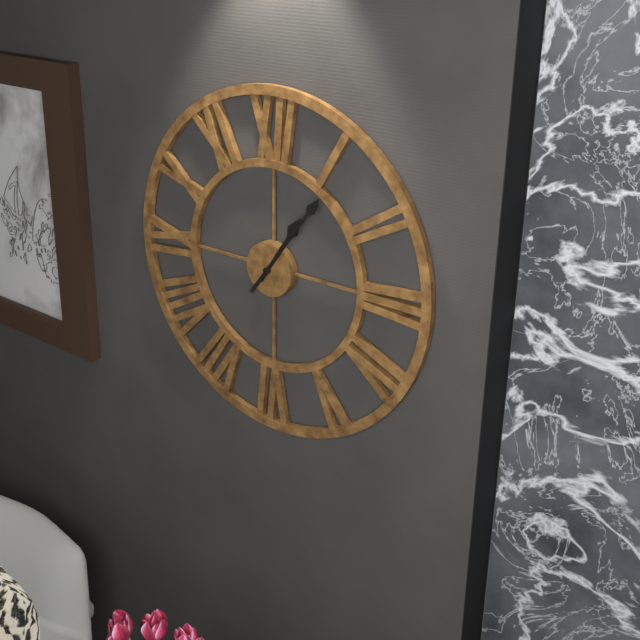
1:06
